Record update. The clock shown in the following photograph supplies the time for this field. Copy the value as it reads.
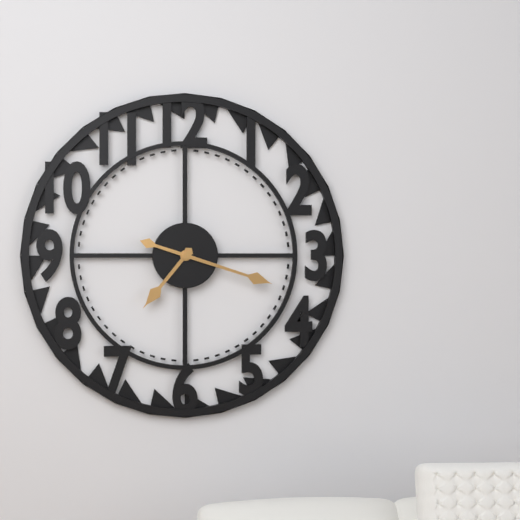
7:18
